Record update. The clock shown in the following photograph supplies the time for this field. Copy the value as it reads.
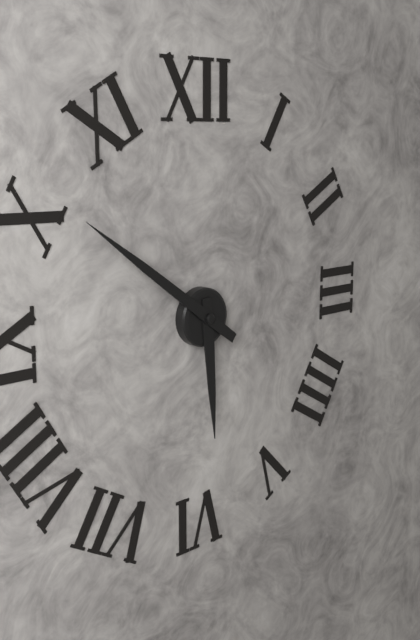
5:51
